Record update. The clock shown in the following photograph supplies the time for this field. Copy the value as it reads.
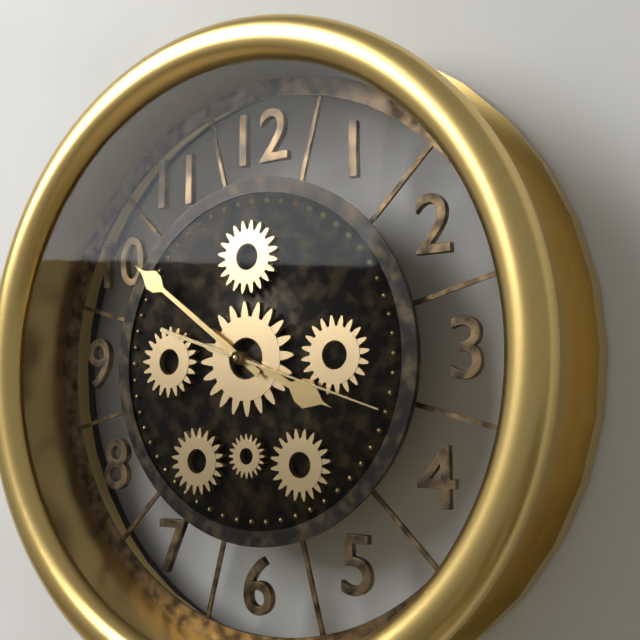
3:51:18
